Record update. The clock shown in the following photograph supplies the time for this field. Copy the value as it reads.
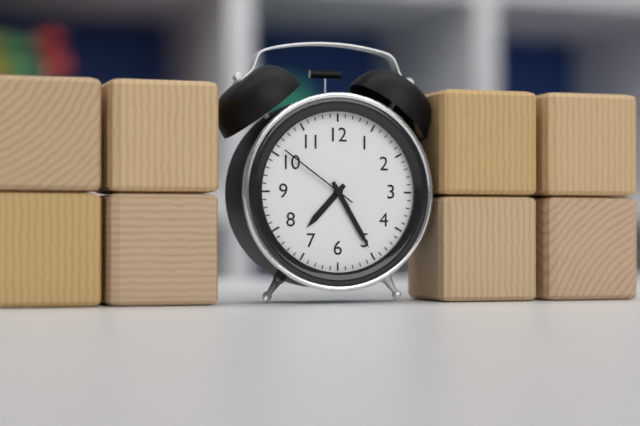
7:25:51
